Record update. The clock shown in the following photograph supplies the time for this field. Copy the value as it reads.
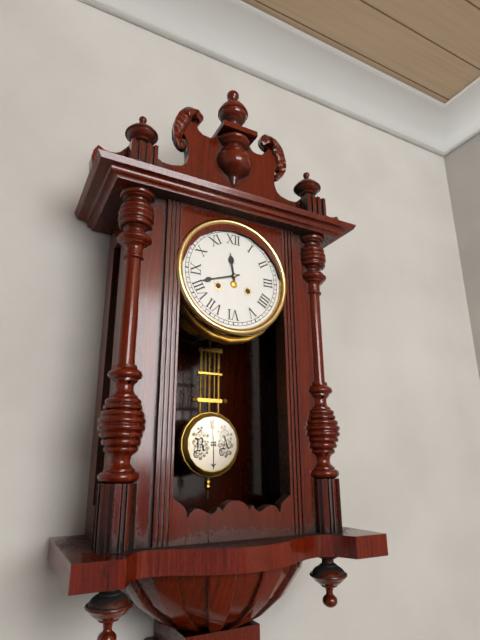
11:42
